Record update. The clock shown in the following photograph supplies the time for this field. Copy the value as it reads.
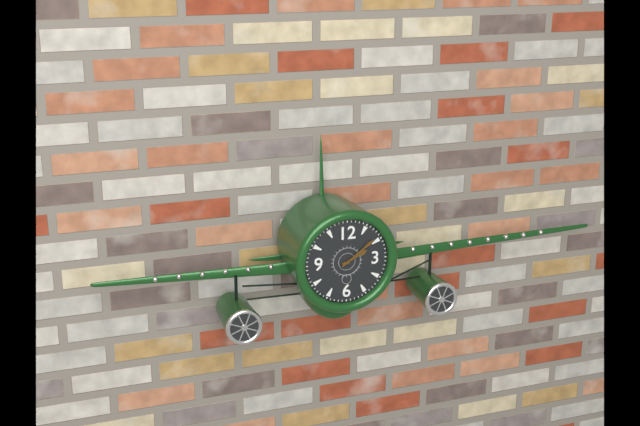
2:09
